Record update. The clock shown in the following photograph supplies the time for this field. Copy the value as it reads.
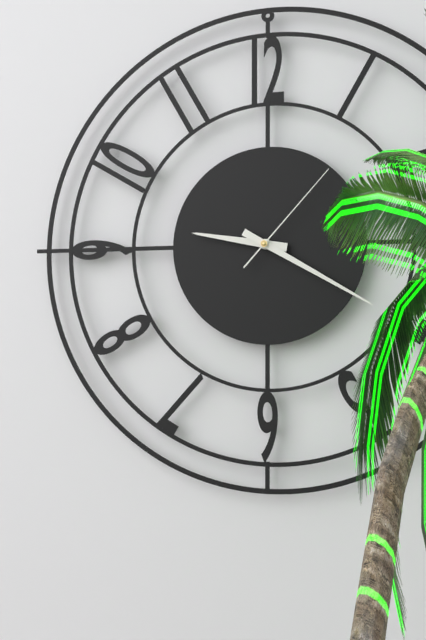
9:20:07
